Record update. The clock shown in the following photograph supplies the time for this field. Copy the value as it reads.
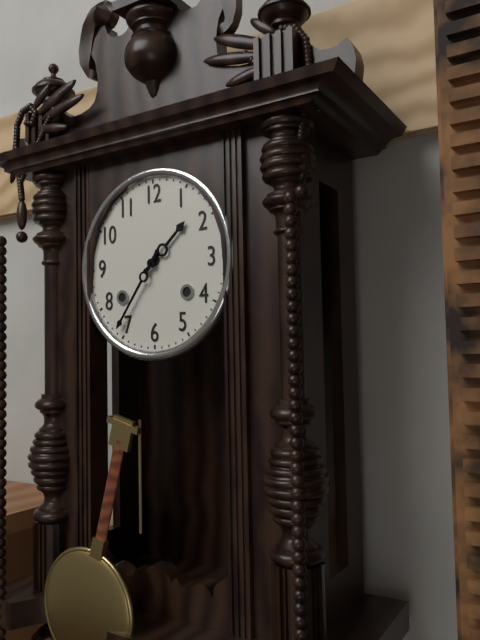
1:36
